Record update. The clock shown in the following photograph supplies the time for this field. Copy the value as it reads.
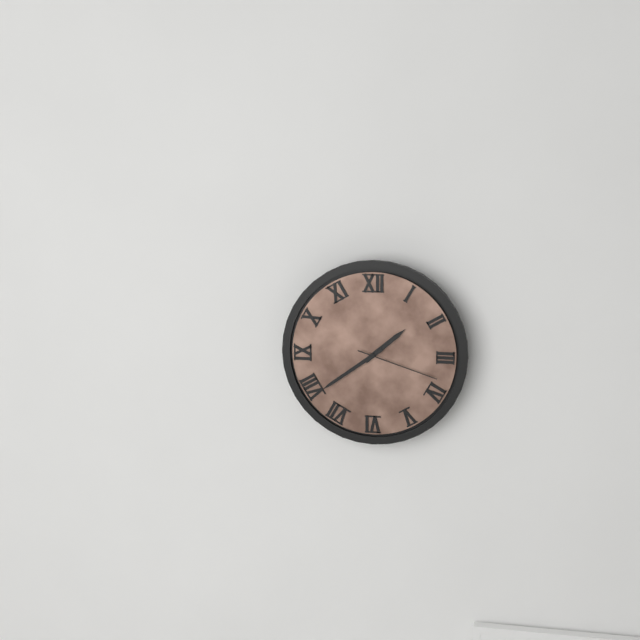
1:39:18
